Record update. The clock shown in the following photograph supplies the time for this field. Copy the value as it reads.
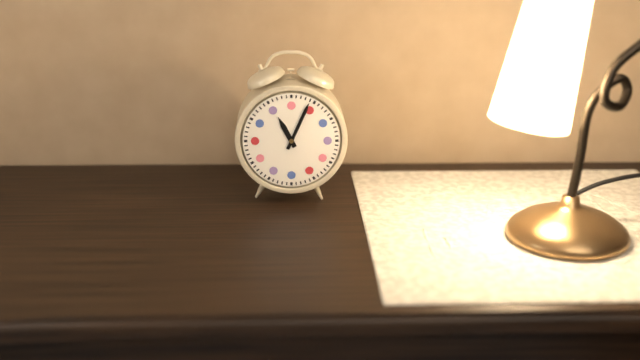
11:04
